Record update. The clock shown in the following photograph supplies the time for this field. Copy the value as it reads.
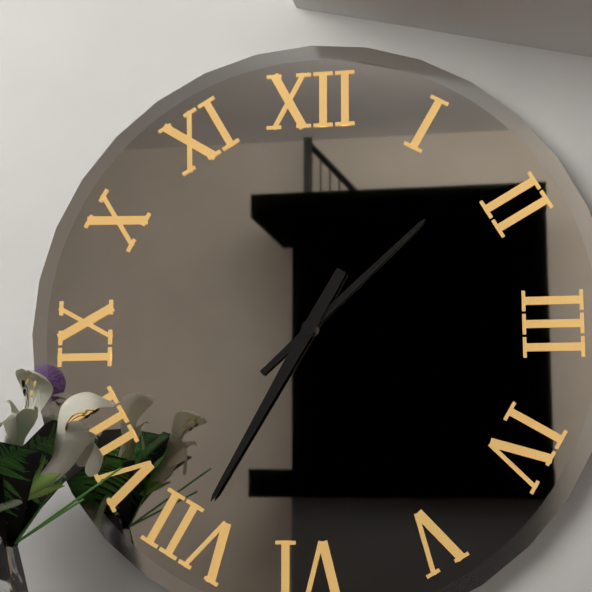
1:35
